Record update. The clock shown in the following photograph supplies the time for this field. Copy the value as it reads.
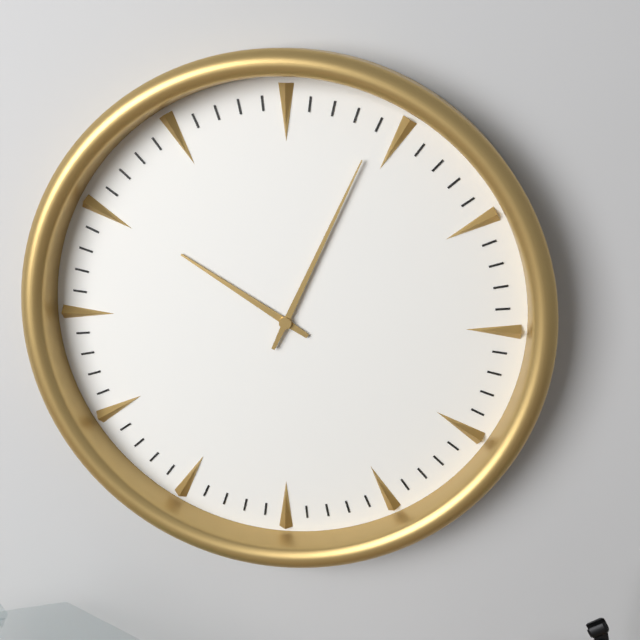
10:04
